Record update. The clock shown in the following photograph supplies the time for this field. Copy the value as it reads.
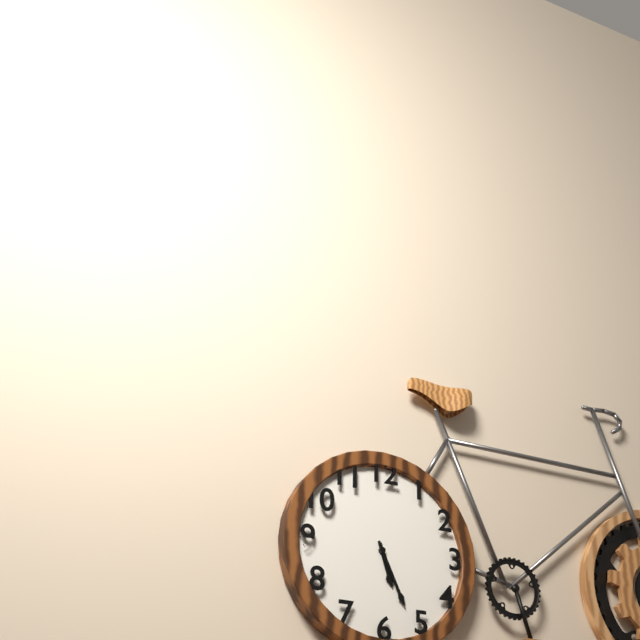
5:26
